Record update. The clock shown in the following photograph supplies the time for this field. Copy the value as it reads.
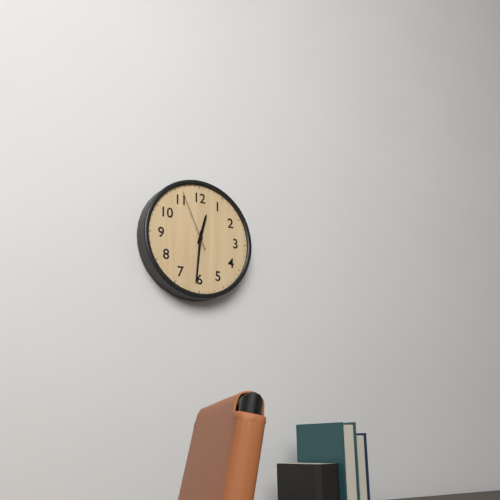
12:31:56
